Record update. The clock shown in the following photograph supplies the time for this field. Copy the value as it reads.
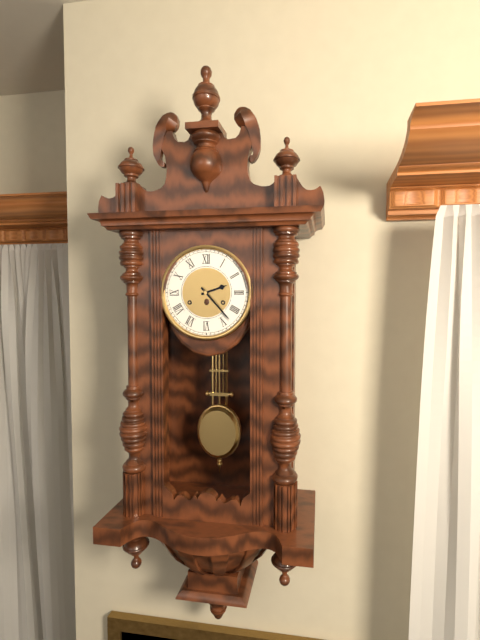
2:23
